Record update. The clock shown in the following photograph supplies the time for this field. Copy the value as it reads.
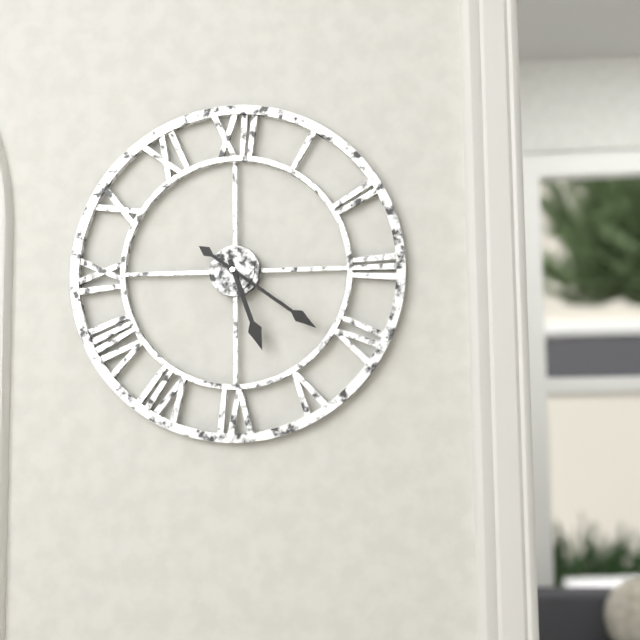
5:21
